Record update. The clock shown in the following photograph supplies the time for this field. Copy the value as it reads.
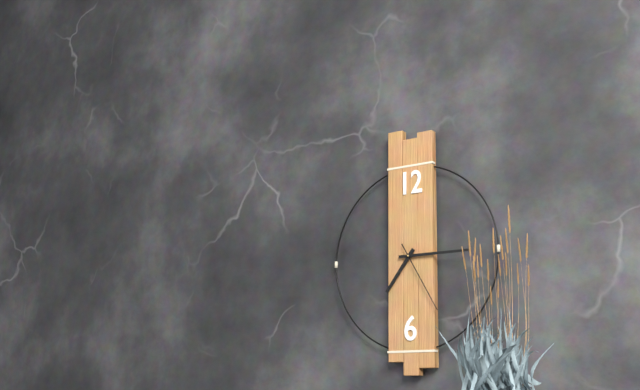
7:15:25
